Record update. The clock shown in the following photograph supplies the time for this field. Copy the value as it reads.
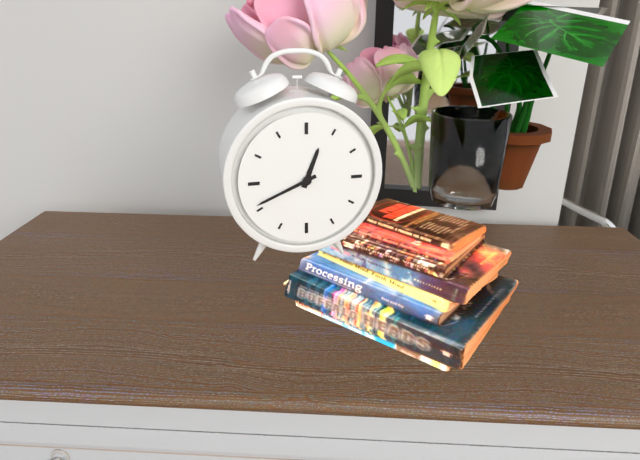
12:41
